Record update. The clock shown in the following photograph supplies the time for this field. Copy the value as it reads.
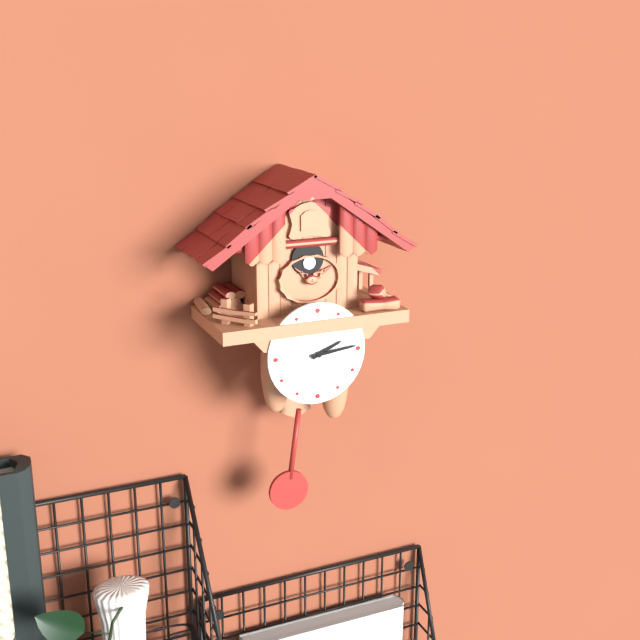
2:14
